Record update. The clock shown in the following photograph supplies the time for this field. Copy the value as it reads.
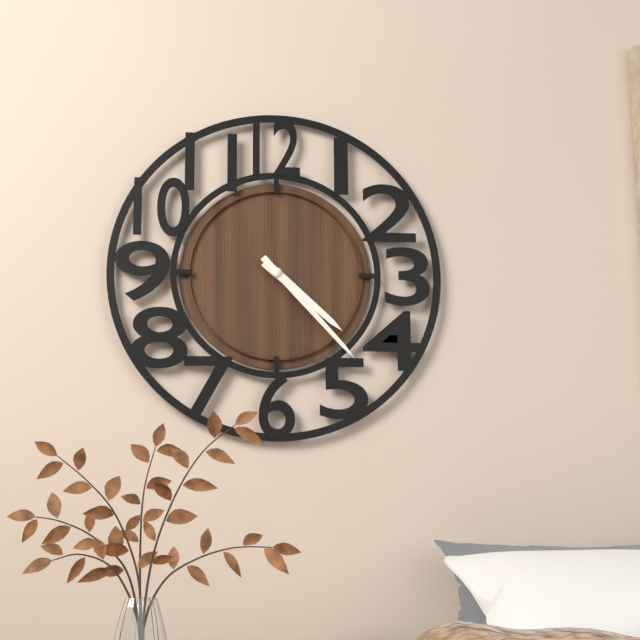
4:23
